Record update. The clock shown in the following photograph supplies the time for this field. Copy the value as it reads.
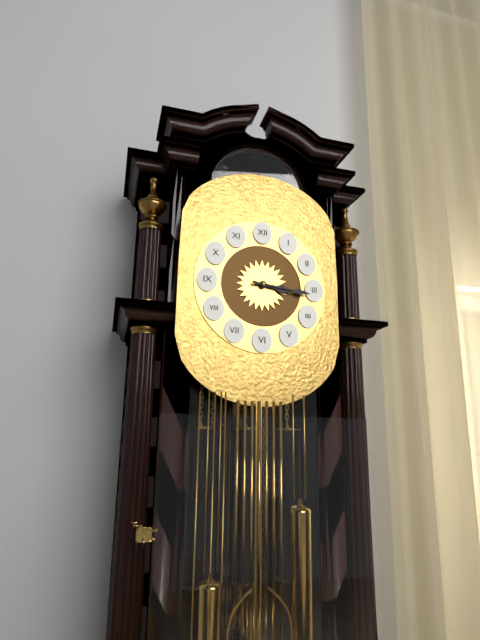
3:16
